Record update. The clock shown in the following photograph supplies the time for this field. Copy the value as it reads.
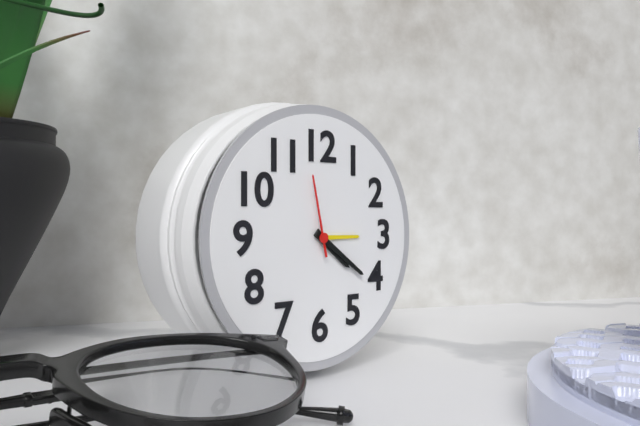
4:21:58
